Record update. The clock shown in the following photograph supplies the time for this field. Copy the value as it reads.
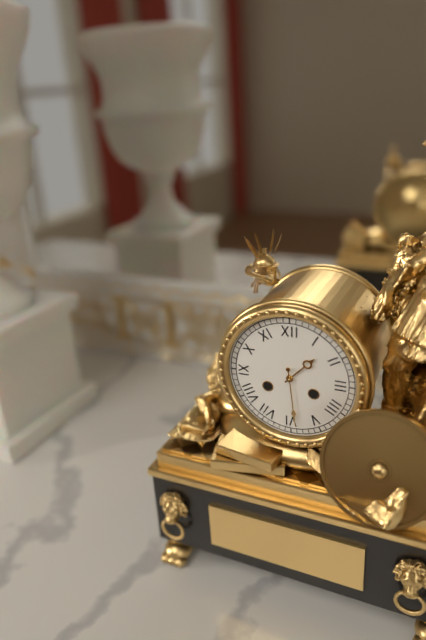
1:29
